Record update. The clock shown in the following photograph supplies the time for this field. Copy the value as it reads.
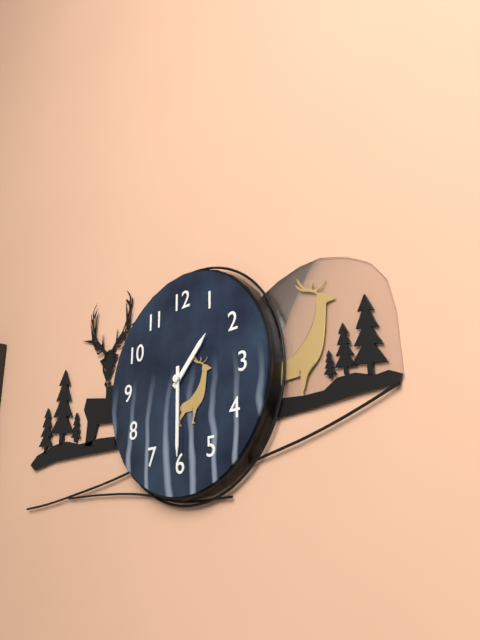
1:30
